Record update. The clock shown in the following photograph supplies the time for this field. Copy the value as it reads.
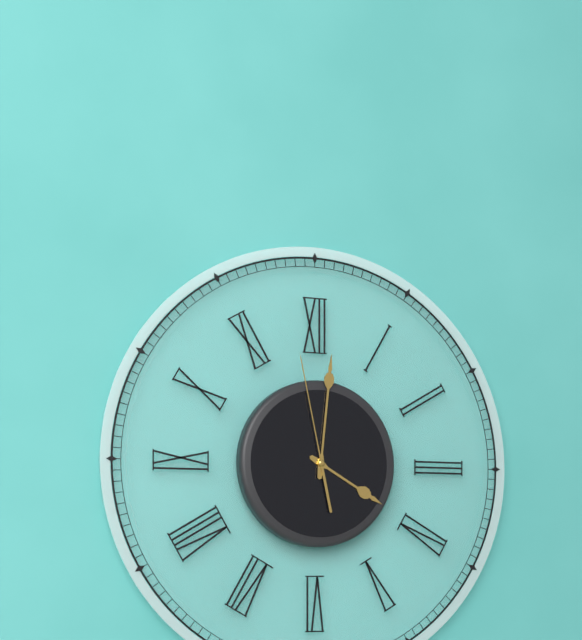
4:01:58
